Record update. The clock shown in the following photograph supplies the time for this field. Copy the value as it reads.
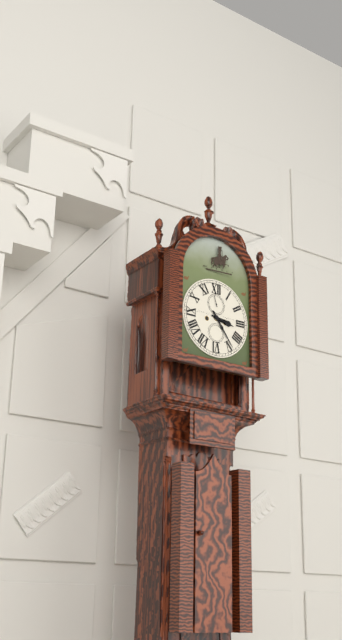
3:24
